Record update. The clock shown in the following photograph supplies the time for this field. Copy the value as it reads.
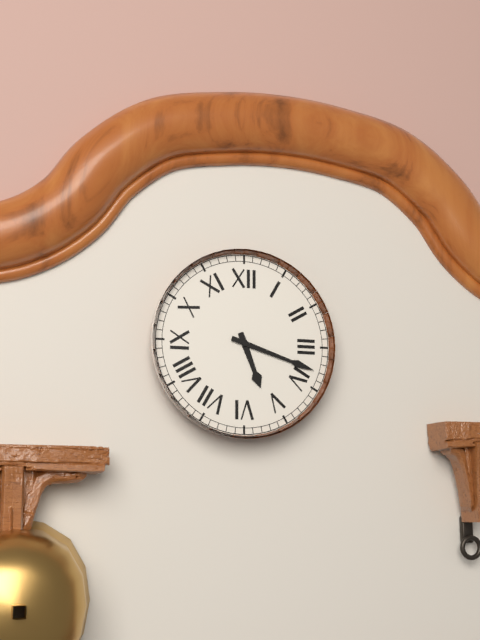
5:18
